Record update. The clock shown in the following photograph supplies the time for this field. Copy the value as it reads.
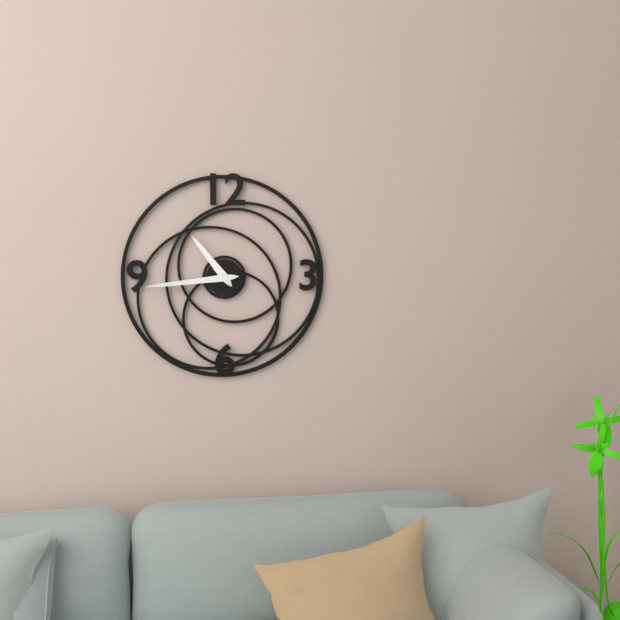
10:44
